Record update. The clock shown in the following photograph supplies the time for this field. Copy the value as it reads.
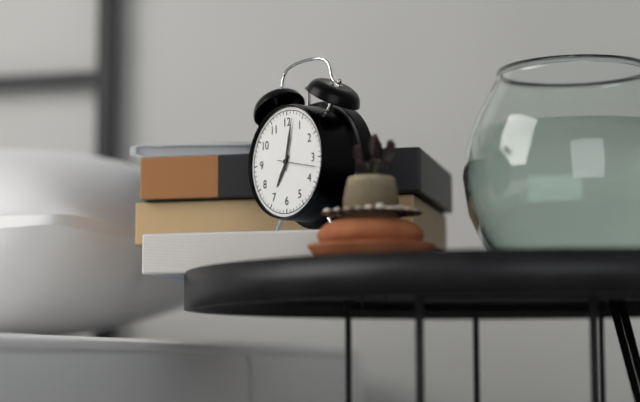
7:02
